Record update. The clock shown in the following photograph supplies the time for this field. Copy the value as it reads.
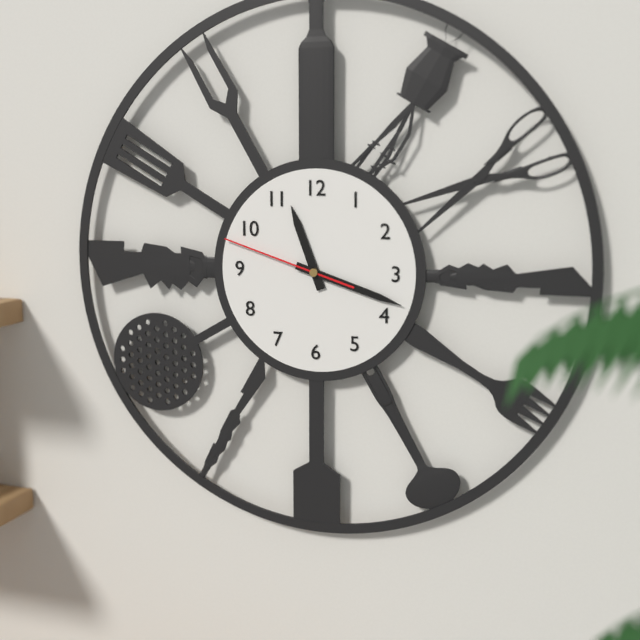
11:18:48
